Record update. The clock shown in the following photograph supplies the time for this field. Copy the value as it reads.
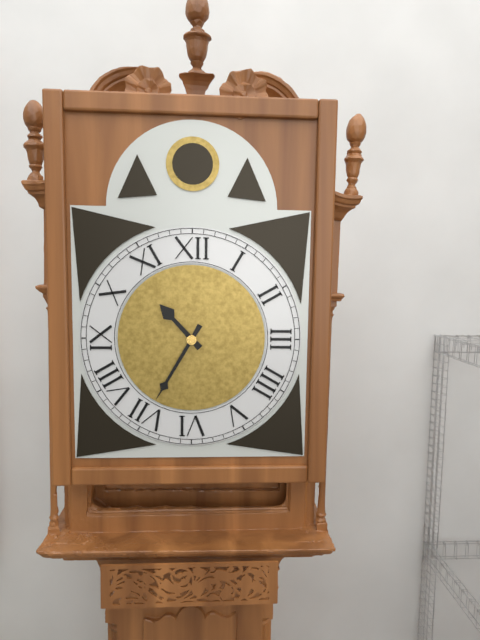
10:35
